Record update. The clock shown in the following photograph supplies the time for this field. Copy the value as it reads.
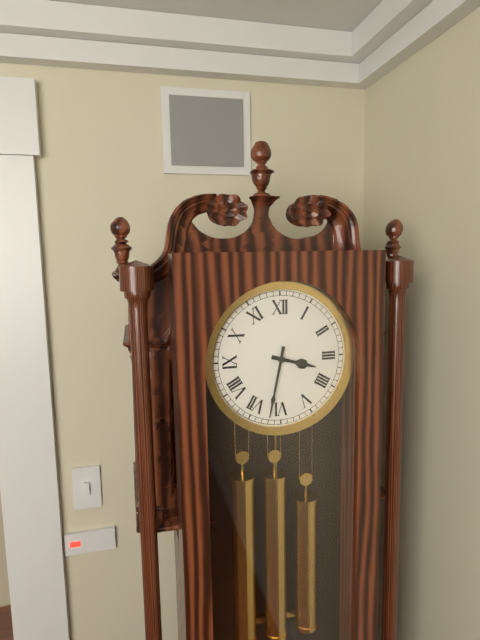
3:32
